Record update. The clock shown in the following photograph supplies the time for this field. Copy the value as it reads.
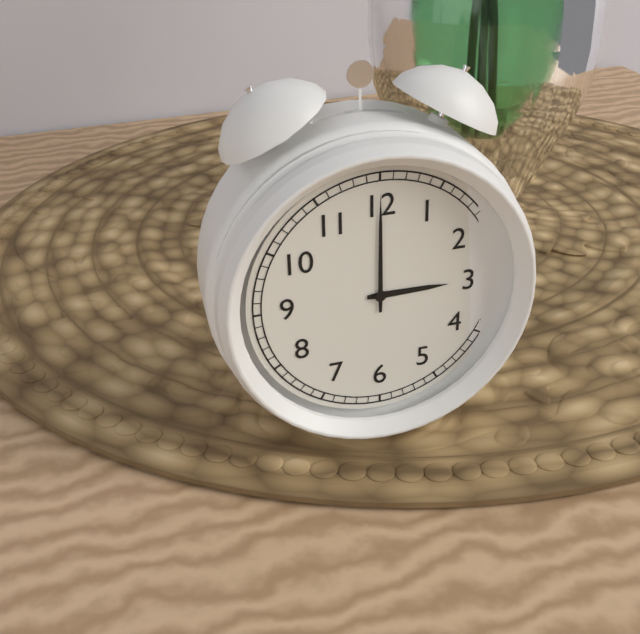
3:00
